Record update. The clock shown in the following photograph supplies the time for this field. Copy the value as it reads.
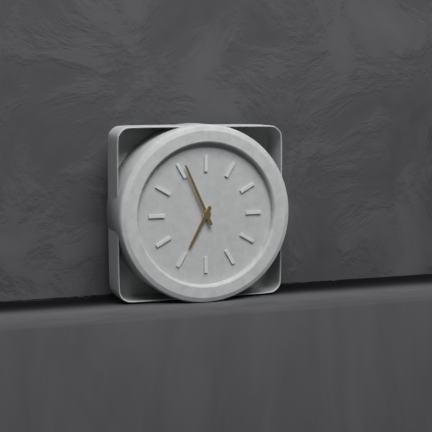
6:56
